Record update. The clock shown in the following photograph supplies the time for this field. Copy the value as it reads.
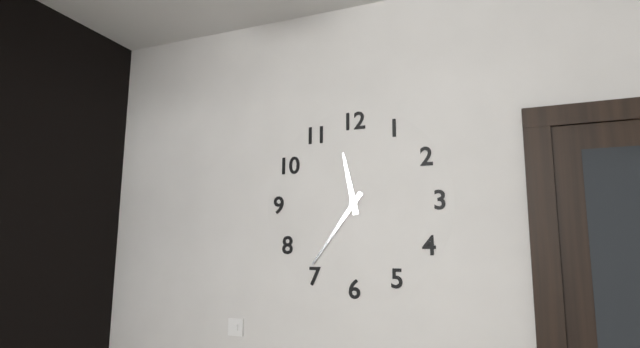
11:36
